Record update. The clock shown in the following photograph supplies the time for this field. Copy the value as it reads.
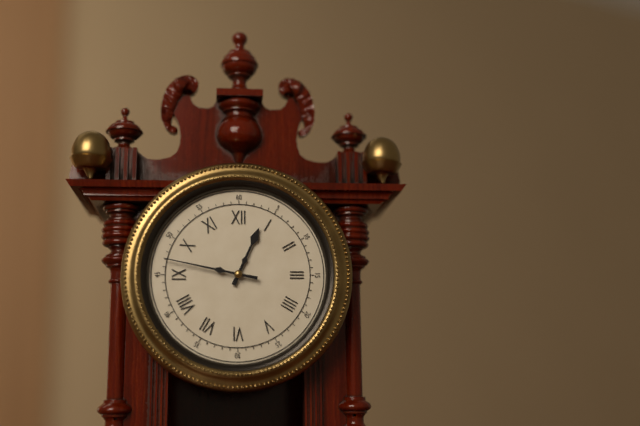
12:47
